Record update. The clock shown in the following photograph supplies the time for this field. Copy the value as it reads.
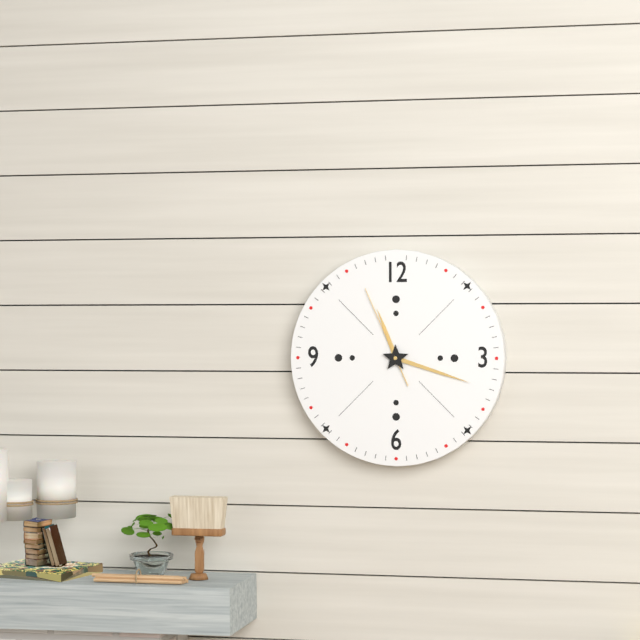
11:18:56
